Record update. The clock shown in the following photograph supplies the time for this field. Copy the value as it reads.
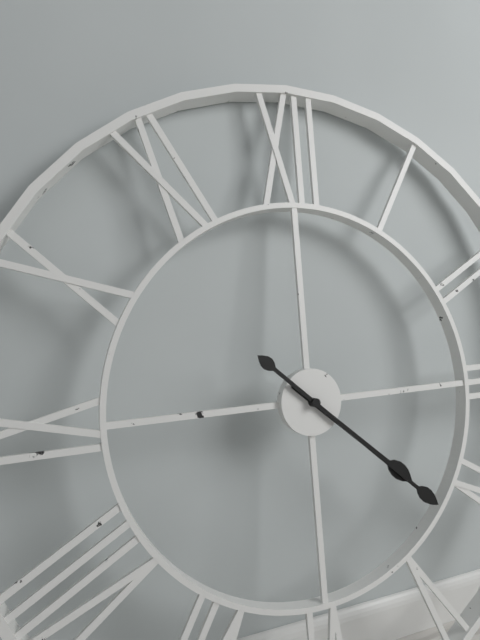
4:22
